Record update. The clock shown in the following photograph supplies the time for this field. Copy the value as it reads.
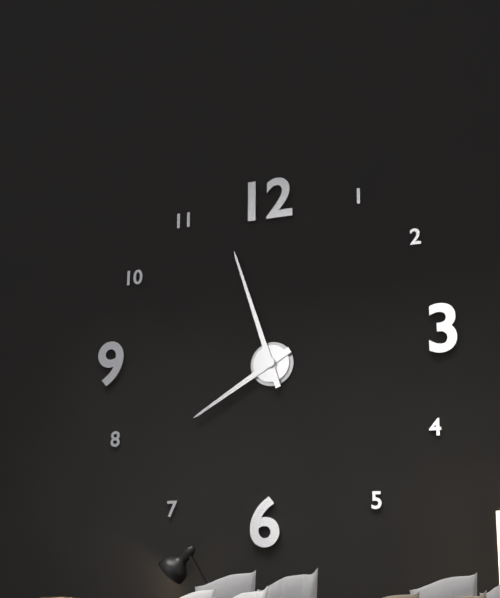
7:57
